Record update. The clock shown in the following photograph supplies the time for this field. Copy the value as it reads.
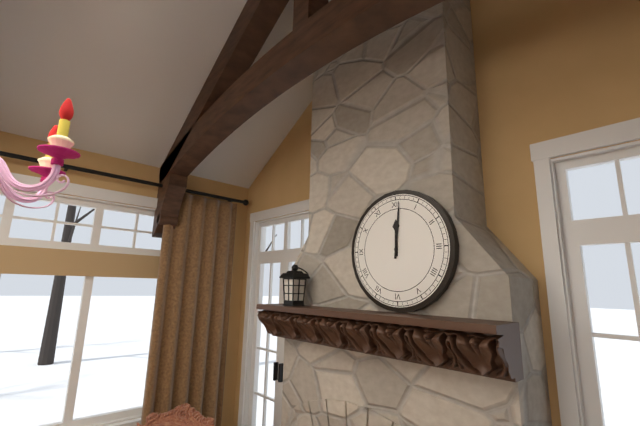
12:01
